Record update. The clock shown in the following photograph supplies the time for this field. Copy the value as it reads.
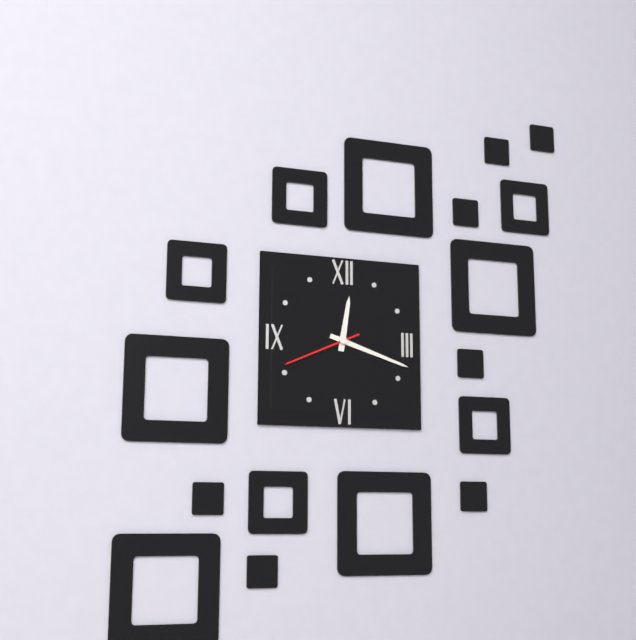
12:18:41
